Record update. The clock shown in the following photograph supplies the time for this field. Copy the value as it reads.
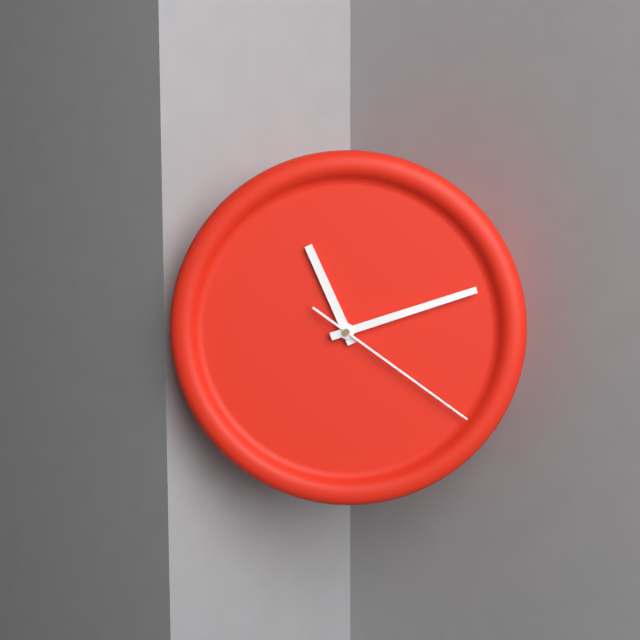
11:12:21
